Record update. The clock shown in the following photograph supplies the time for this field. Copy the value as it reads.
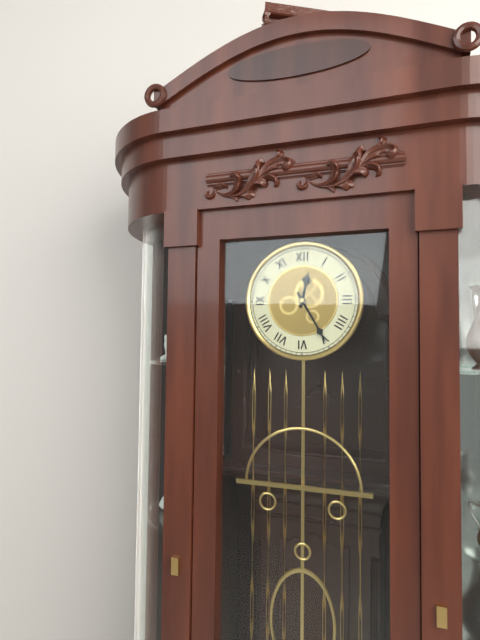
12:25
